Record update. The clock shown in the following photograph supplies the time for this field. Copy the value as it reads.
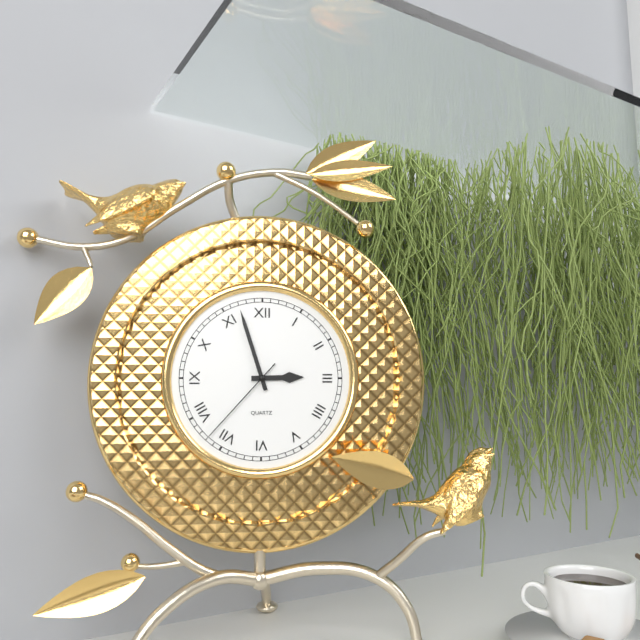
2:57:37
